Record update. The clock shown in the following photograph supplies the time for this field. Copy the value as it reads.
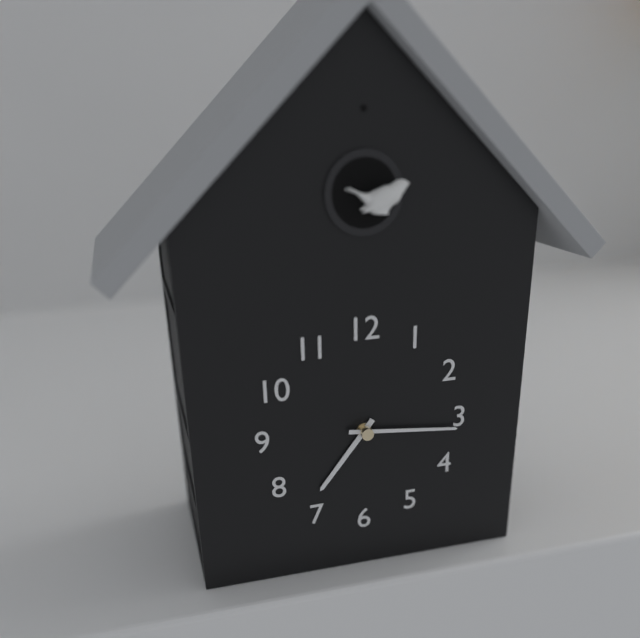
7:16
